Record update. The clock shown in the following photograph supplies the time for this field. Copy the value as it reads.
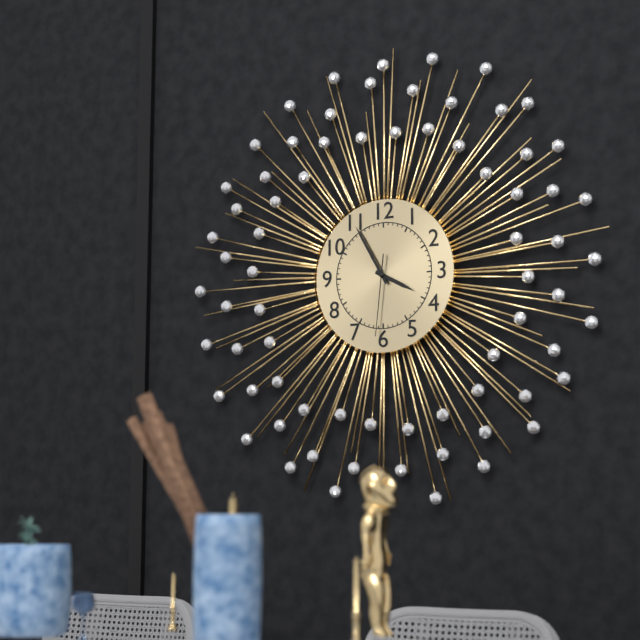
3:55:31
